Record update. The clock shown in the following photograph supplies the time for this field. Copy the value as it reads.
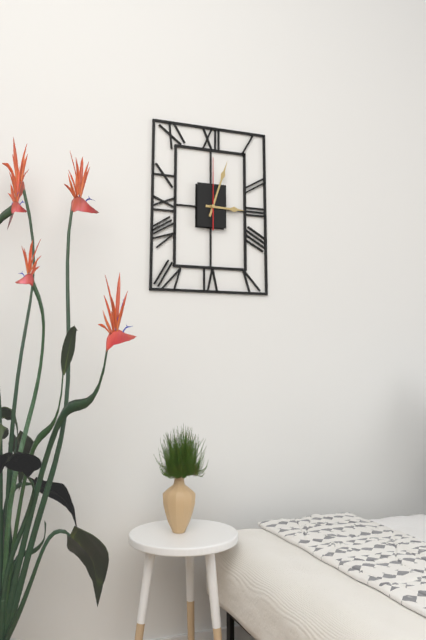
3:03:00
